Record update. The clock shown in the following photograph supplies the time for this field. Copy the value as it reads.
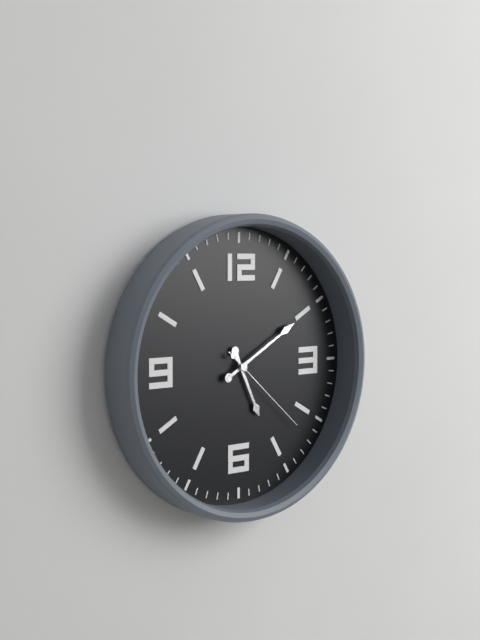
5:10:22
